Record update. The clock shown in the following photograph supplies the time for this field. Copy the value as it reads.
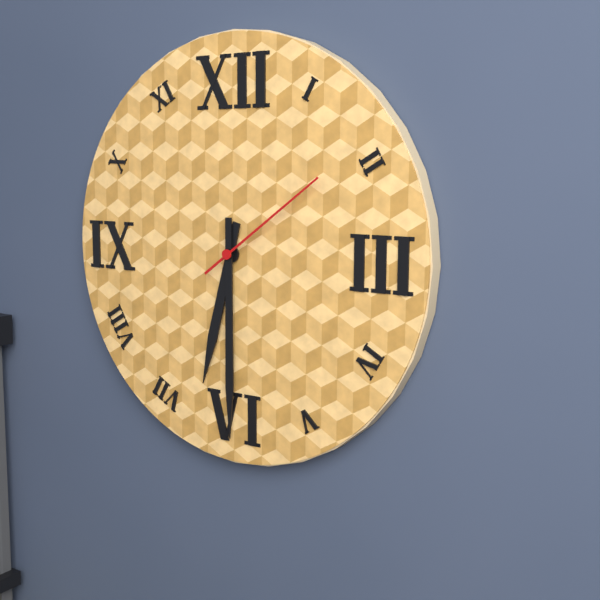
6:30:09
